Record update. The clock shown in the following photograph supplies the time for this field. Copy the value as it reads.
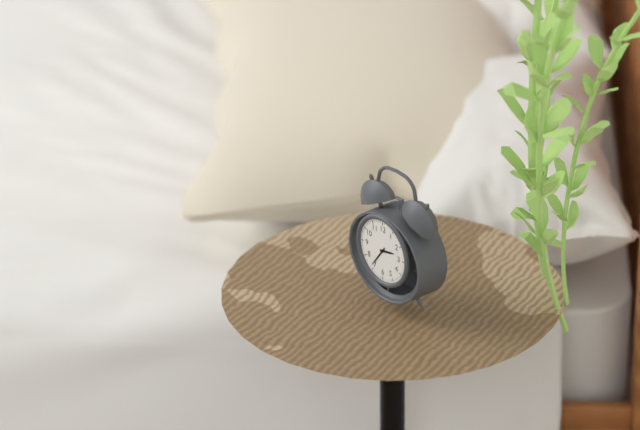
2:36
